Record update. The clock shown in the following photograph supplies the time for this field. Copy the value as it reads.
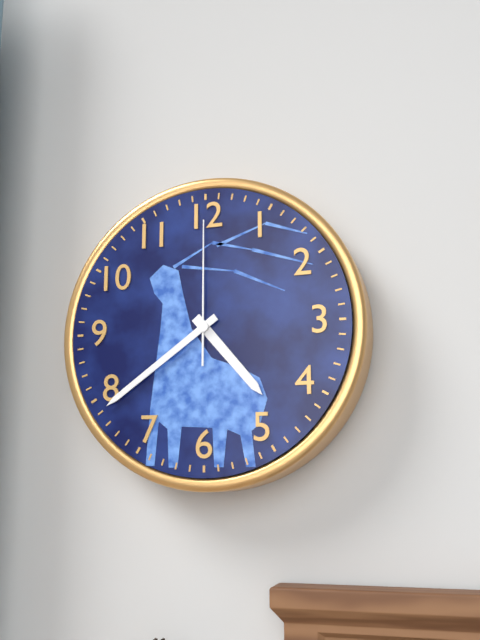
4:39:00
